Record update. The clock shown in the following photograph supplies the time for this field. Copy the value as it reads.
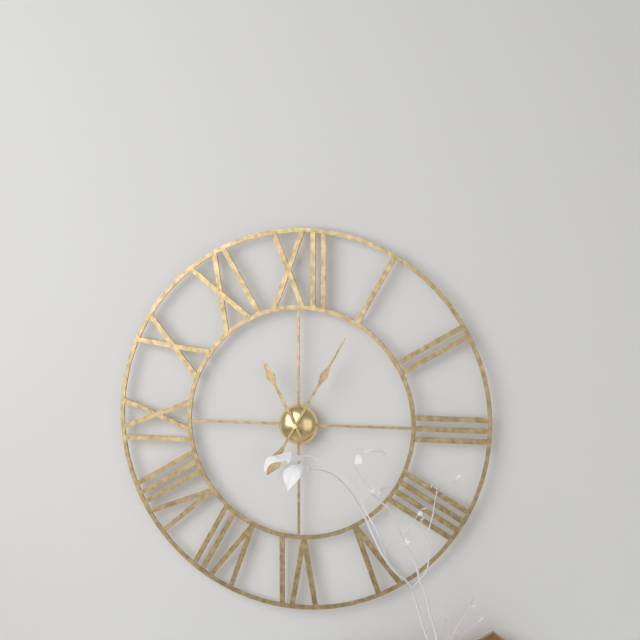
11:05
